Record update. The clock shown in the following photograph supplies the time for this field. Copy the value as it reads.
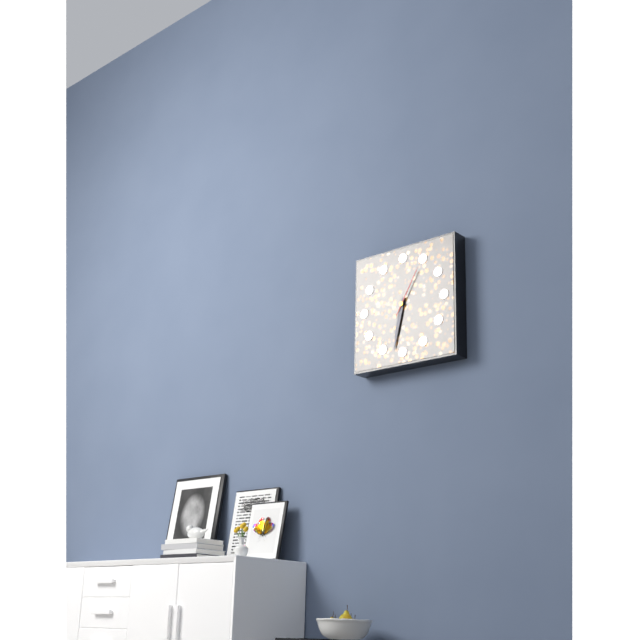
6:32:05
